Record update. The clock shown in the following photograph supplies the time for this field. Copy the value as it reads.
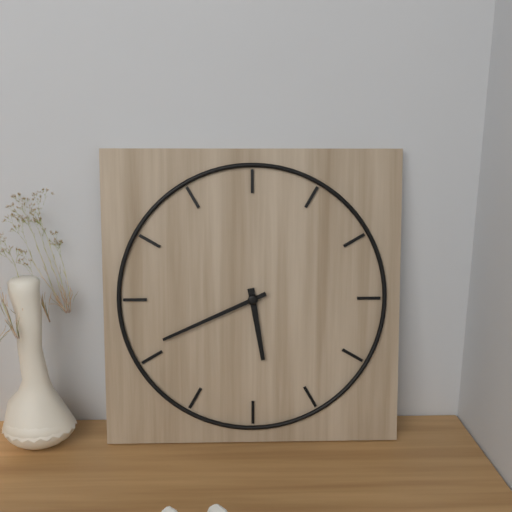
5:41
